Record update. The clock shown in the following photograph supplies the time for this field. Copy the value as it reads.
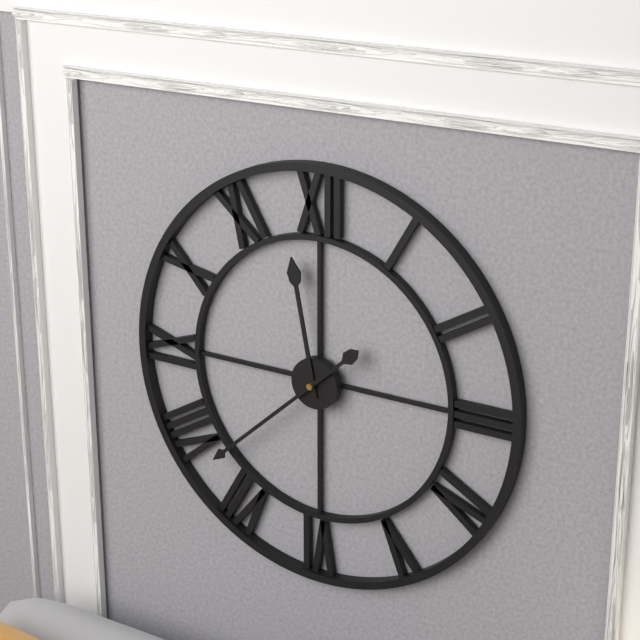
11:38
